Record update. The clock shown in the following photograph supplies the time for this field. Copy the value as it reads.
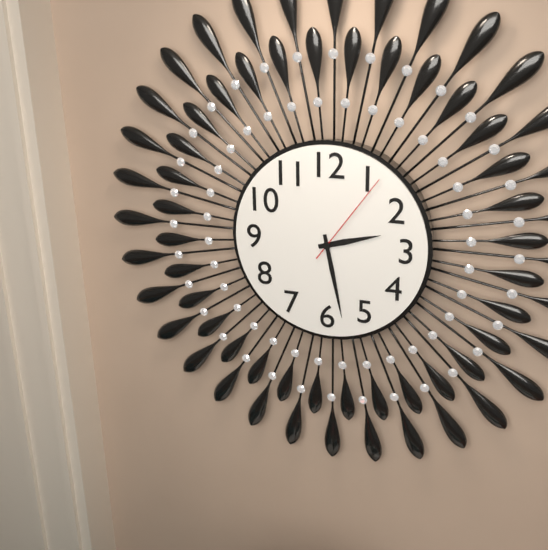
2:28:06
